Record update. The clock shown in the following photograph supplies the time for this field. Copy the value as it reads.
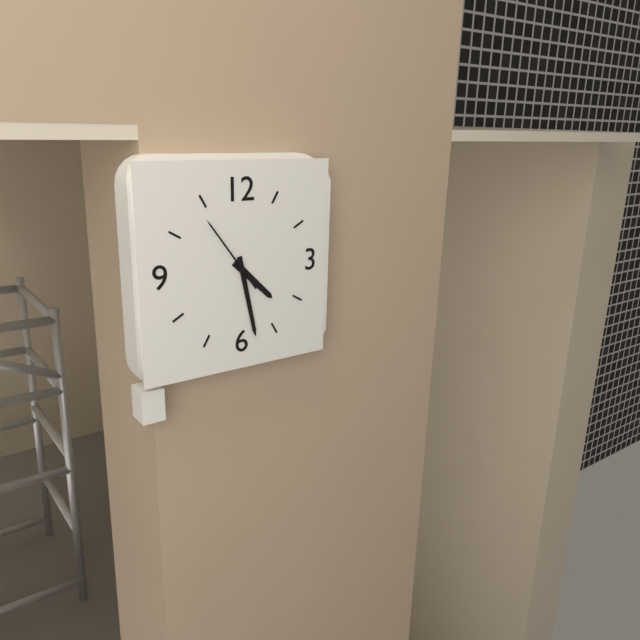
4:28:54
